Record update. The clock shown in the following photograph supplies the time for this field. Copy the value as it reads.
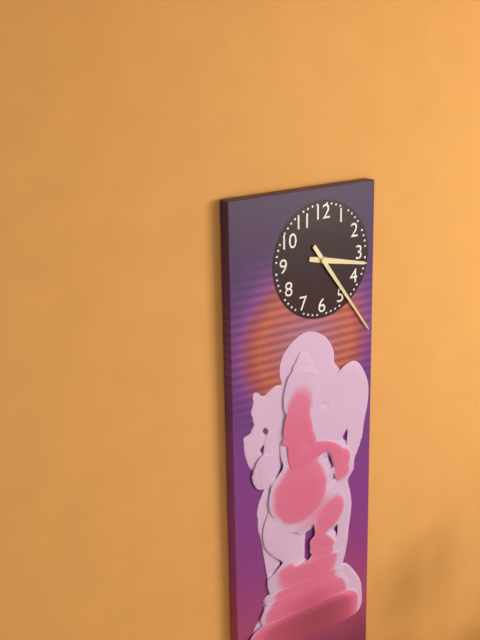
3:24
